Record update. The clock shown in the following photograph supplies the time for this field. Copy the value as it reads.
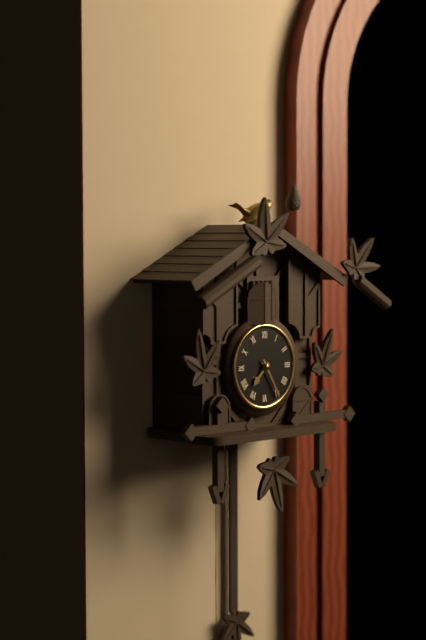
7:25
